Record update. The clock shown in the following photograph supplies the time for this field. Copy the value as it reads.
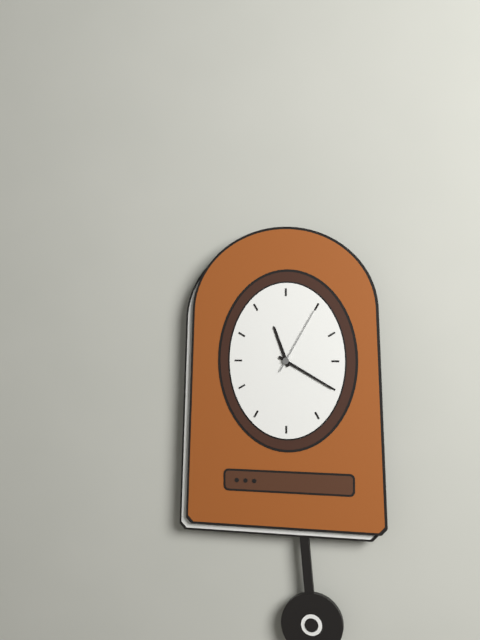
11:20:05
